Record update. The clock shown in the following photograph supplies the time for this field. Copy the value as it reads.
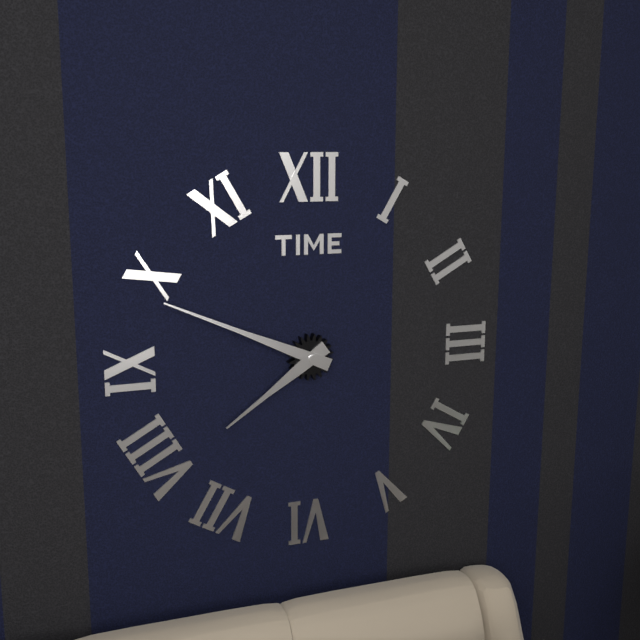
7:49
